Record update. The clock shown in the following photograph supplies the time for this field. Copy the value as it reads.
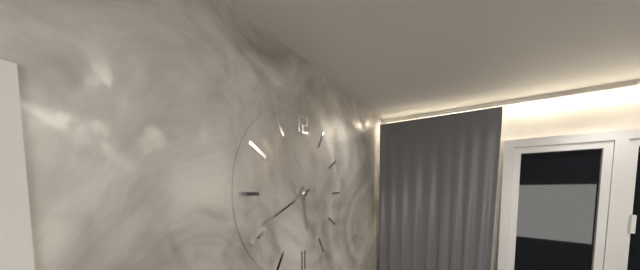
5:41
